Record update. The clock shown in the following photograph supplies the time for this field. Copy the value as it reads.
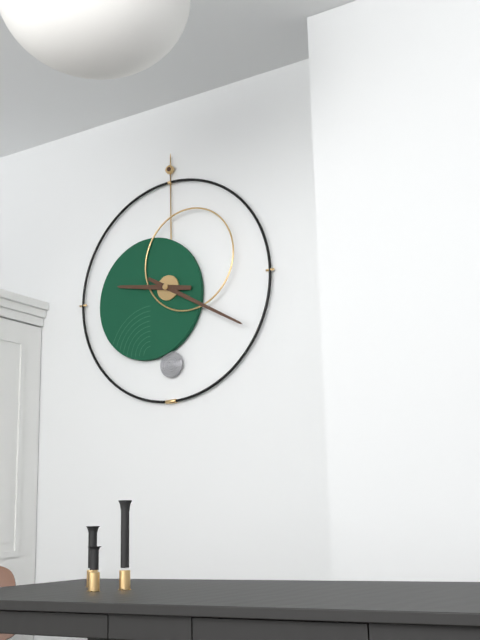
9:20
